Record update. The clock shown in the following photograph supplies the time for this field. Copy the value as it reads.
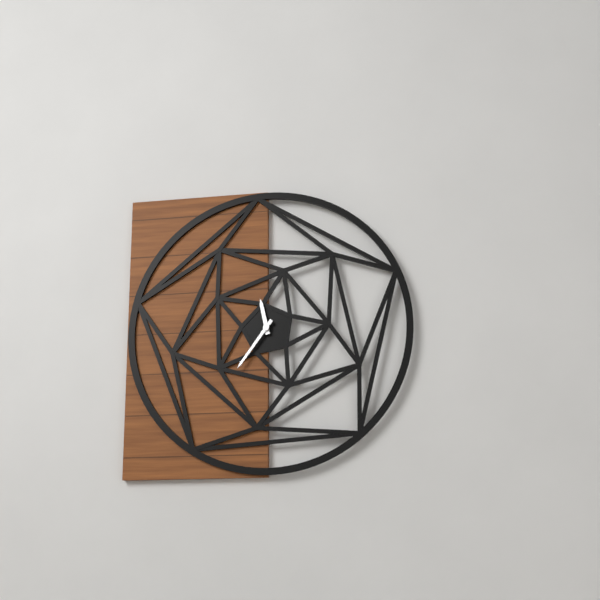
11:36
